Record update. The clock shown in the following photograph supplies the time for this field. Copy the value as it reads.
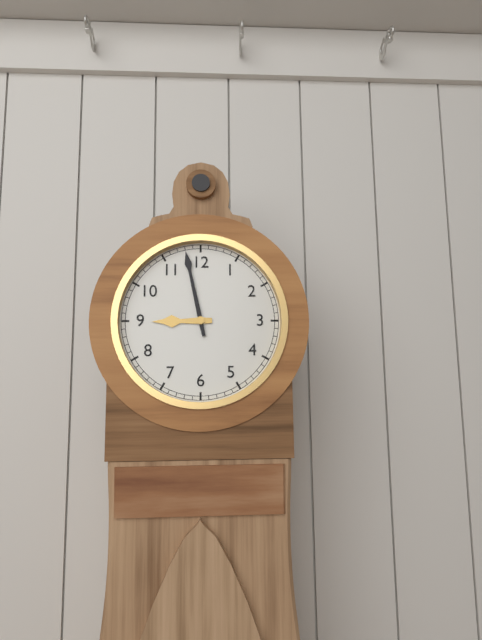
8:58
